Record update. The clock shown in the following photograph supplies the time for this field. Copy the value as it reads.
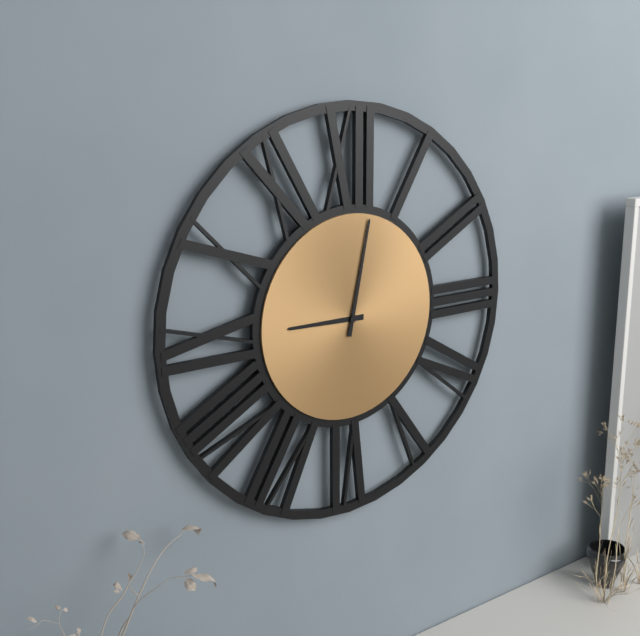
9:02
